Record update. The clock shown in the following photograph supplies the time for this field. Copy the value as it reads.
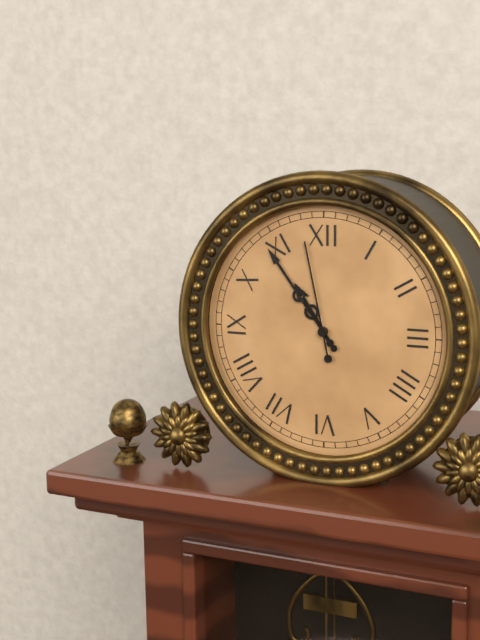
10:54:58
